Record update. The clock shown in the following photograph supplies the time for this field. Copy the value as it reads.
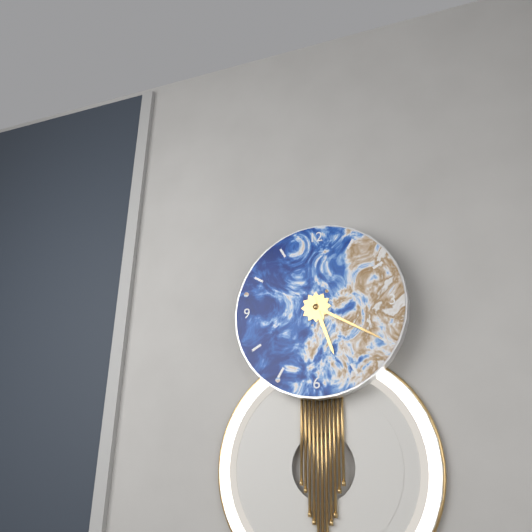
5:20
